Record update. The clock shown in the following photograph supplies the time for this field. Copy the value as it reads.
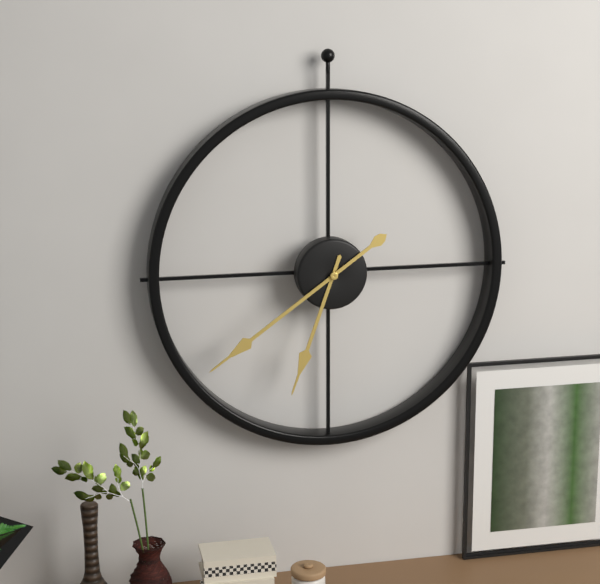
6:39
